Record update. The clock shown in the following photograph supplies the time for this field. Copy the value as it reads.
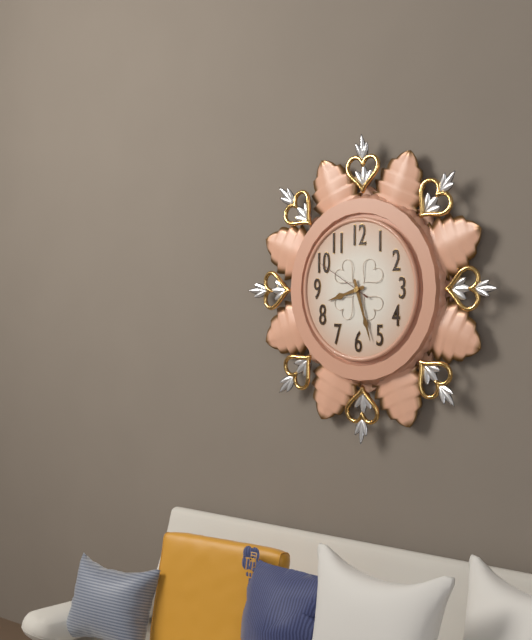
8:27:50
